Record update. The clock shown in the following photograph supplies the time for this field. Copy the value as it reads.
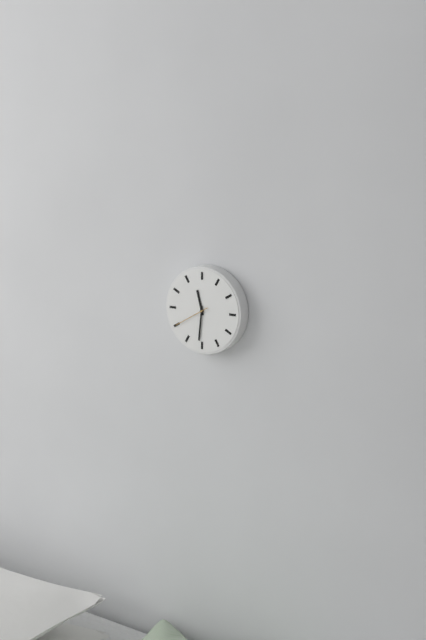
11:31
